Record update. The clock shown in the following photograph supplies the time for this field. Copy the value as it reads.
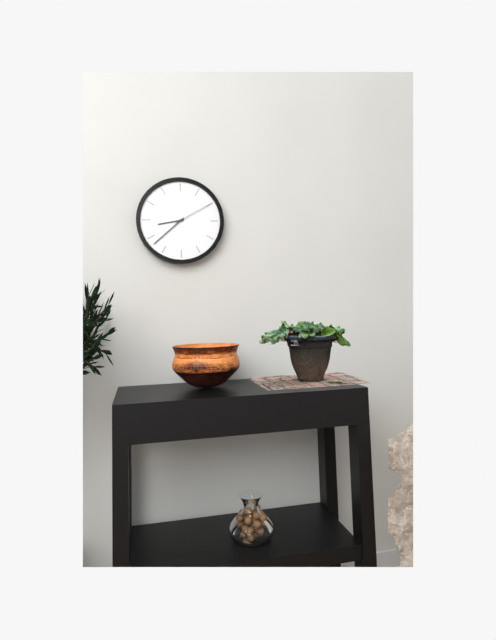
8:38
